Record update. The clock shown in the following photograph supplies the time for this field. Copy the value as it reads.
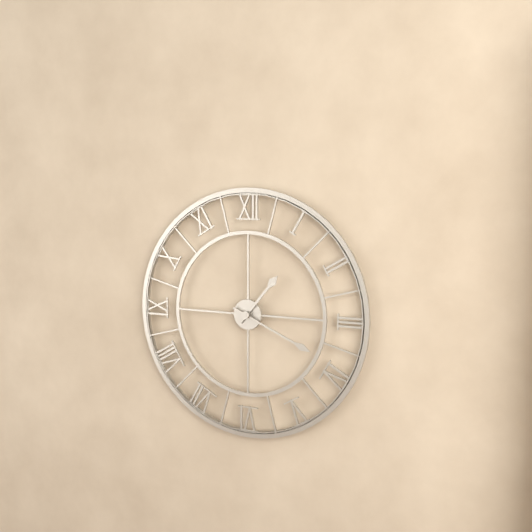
1:19
